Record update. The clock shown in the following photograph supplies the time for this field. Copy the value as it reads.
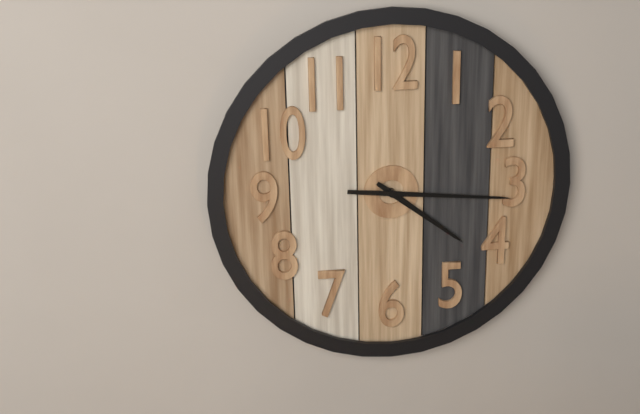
4:16
